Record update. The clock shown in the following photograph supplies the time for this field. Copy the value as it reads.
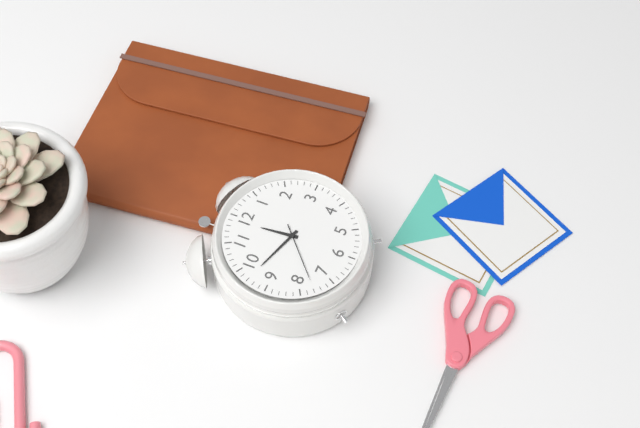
11:48:38
